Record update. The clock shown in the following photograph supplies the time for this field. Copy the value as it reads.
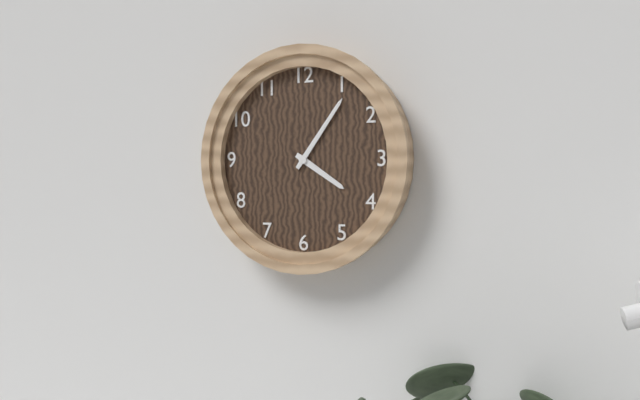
4:06
